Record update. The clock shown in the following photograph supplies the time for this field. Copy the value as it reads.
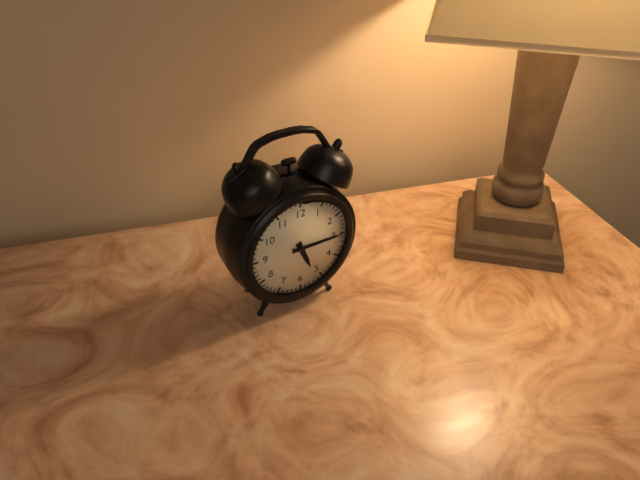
5:15
